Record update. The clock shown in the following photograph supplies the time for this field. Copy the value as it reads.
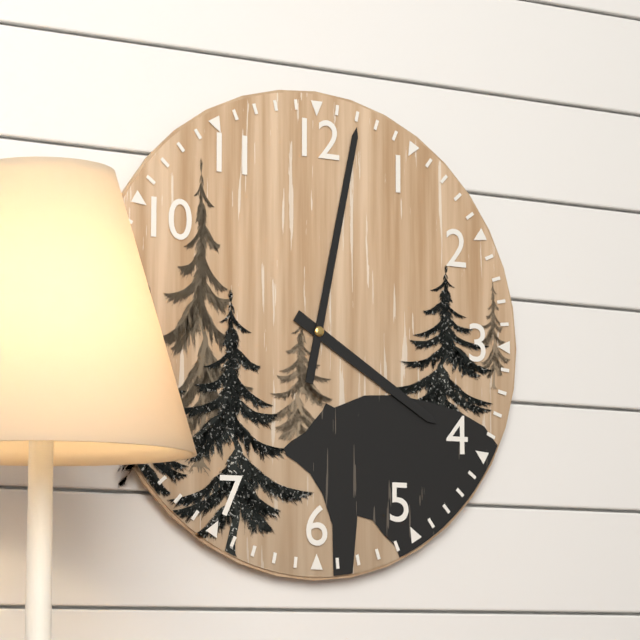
4:02
